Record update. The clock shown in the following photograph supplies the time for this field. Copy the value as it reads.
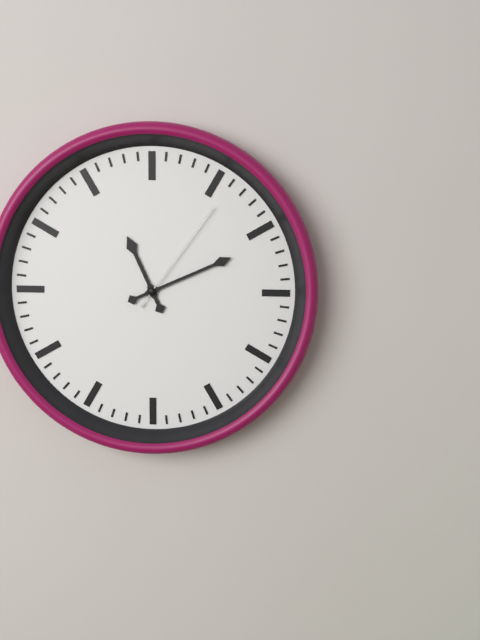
11:11:06
